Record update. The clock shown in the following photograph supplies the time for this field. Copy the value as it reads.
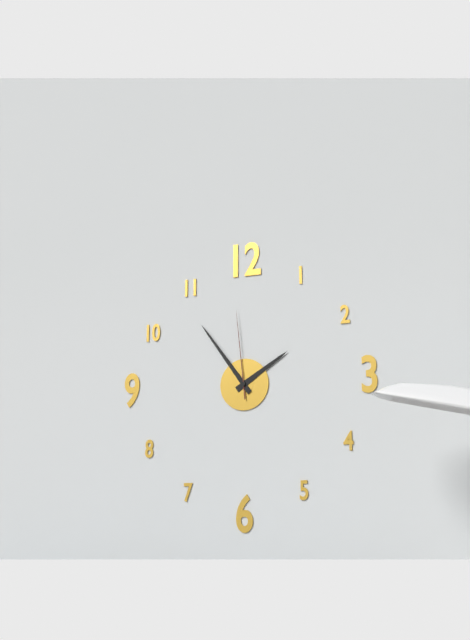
1:54:59
